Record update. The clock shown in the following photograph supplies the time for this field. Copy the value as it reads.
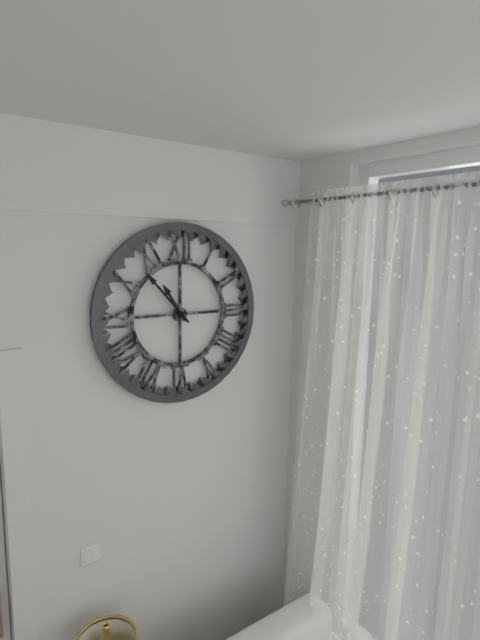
10:53
